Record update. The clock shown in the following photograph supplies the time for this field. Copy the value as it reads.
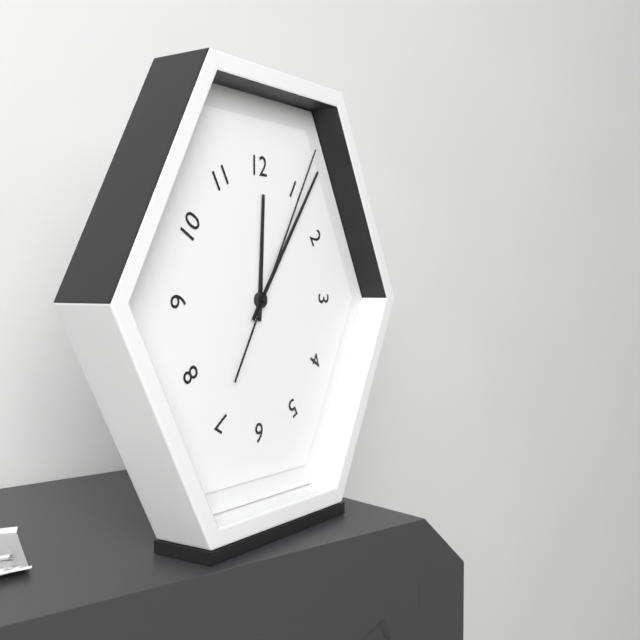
12:06:05
